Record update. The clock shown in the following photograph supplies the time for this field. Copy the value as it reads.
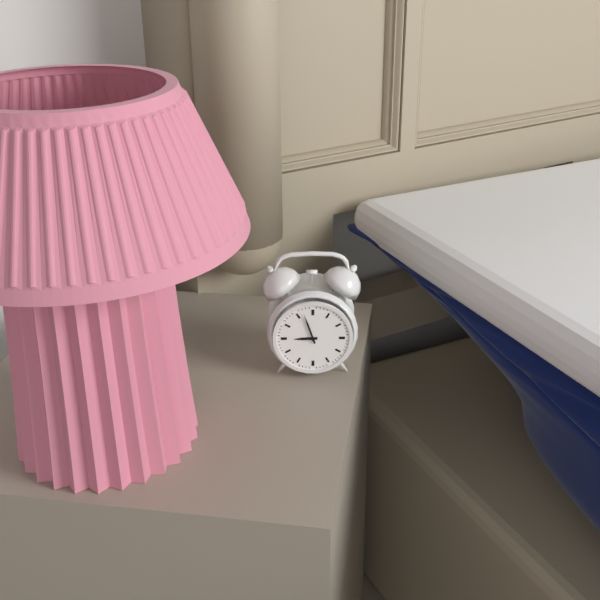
8:57
